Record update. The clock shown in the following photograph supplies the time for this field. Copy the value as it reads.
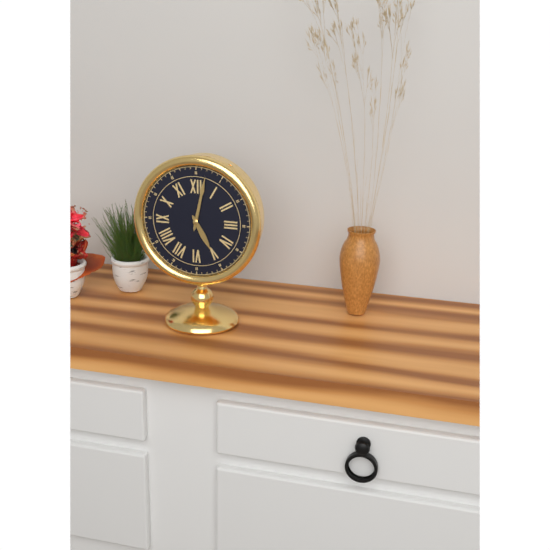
5:02
